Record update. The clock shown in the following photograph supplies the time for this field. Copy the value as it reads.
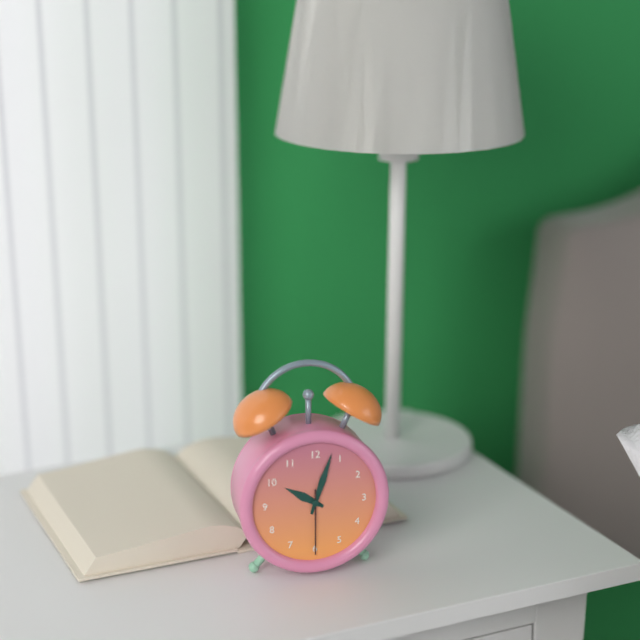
10:03:30
